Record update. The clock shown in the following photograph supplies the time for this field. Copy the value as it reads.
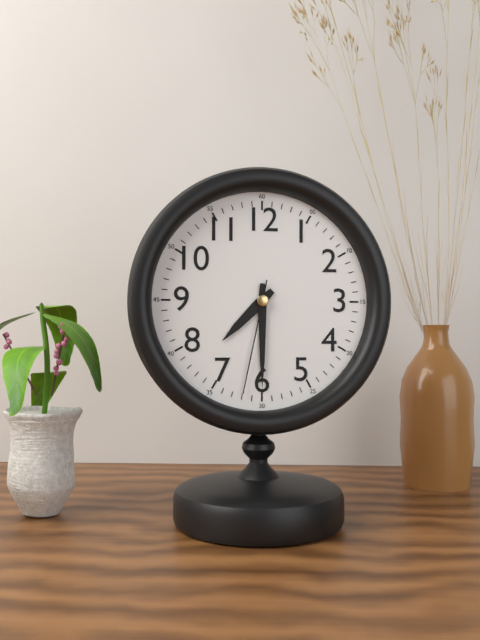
7:30:32
